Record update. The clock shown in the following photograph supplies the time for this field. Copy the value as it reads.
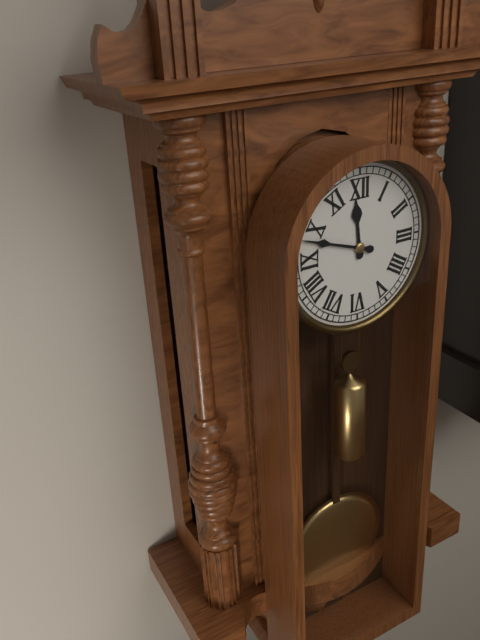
11:48
